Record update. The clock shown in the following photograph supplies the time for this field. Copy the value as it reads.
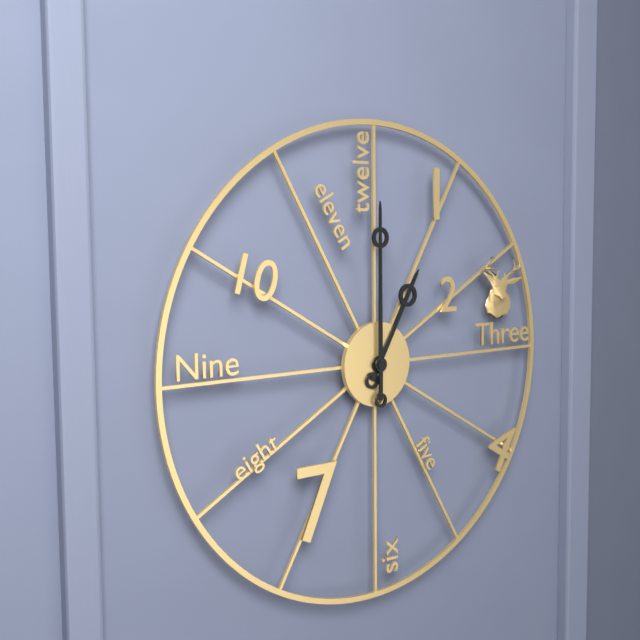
1:00
